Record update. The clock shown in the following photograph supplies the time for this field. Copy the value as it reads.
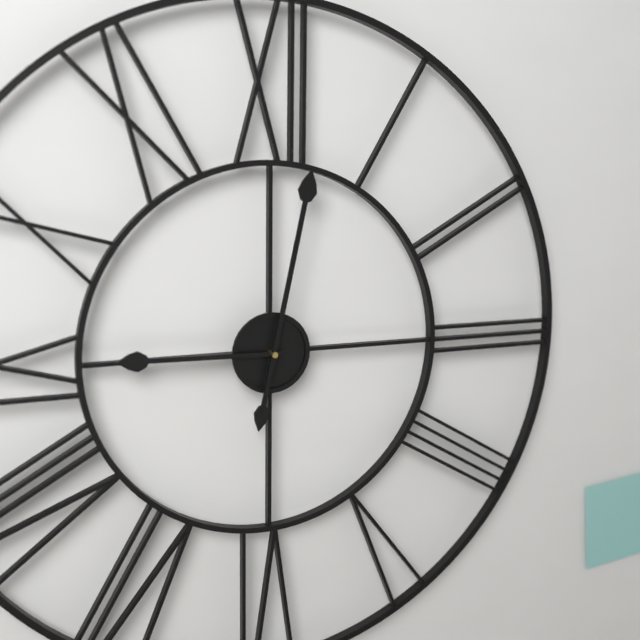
9:02
